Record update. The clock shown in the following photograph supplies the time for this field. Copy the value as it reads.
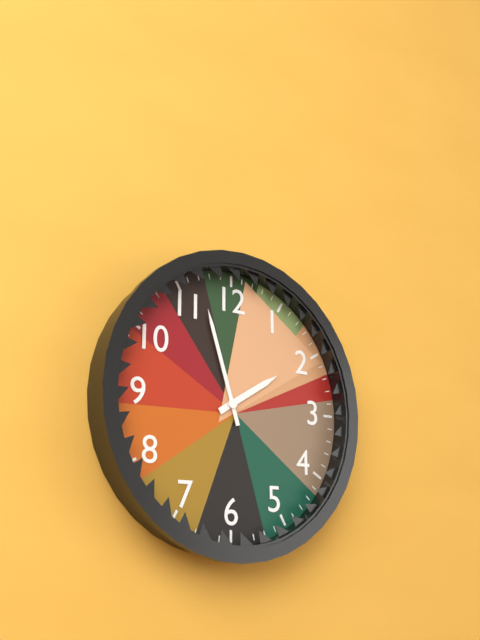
1:57
